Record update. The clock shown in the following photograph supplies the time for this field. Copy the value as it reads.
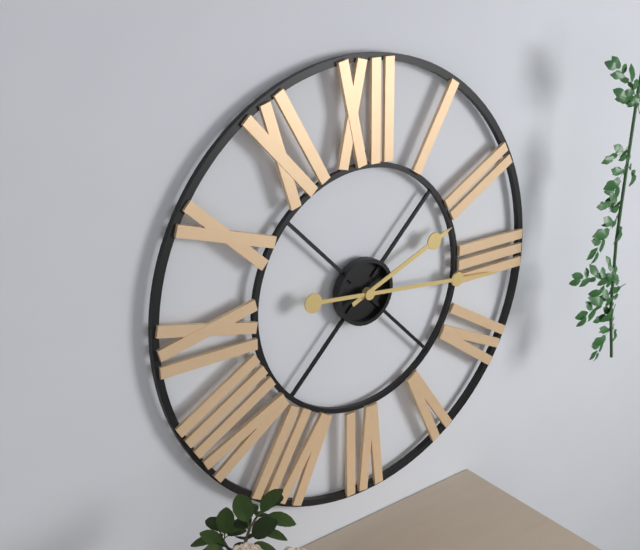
2:16
